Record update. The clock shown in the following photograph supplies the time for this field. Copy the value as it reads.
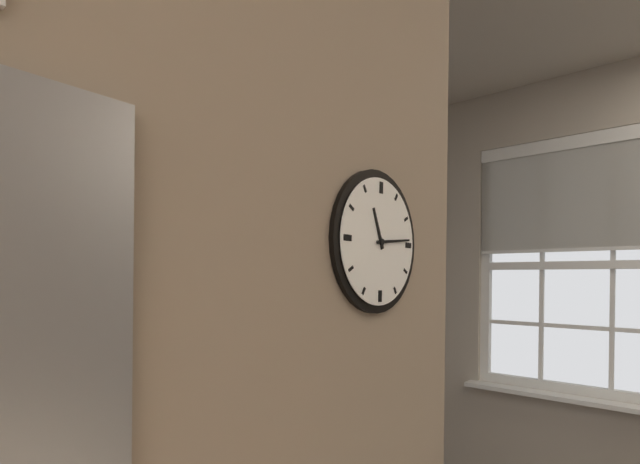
11:14
